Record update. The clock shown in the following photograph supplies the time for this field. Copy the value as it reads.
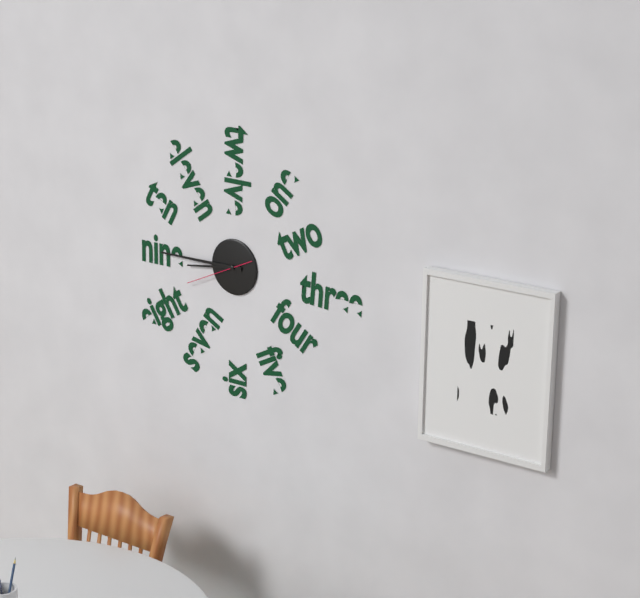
8:45:41
